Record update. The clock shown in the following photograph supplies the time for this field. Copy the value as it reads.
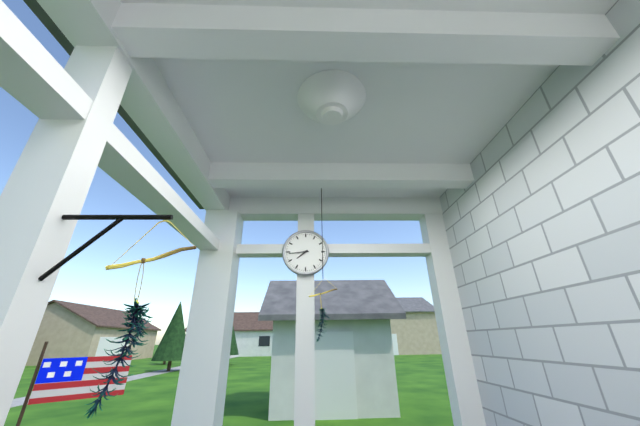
7:44
